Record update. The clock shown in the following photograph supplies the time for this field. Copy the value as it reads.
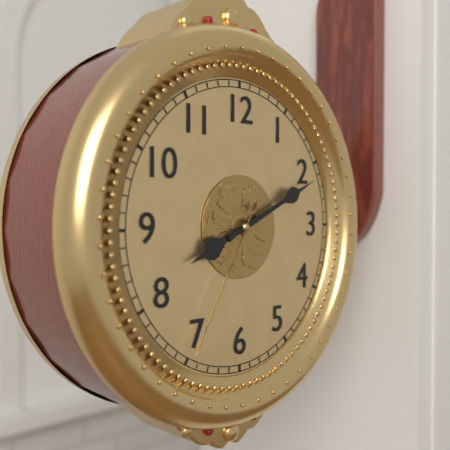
8:11:35
